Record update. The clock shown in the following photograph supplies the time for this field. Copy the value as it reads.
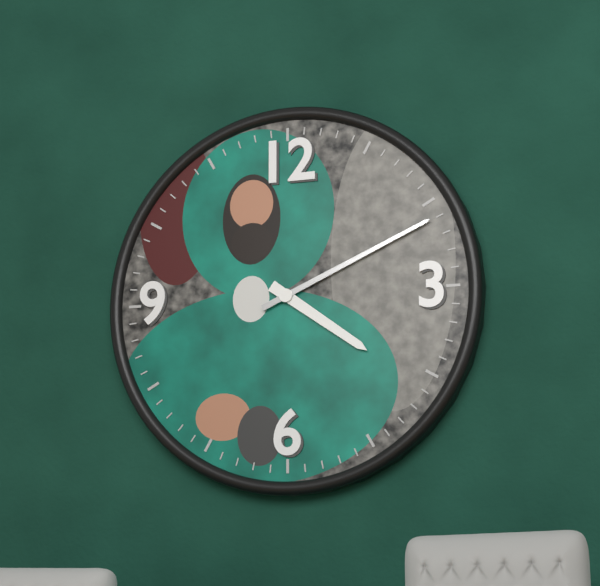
4:11
